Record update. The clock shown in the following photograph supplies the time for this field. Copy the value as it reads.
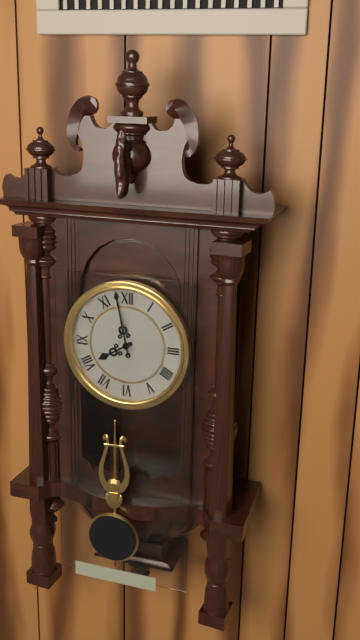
7:58
